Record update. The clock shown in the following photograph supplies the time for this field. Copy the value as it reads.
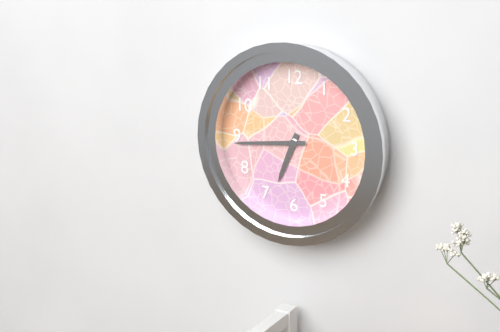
6:44
